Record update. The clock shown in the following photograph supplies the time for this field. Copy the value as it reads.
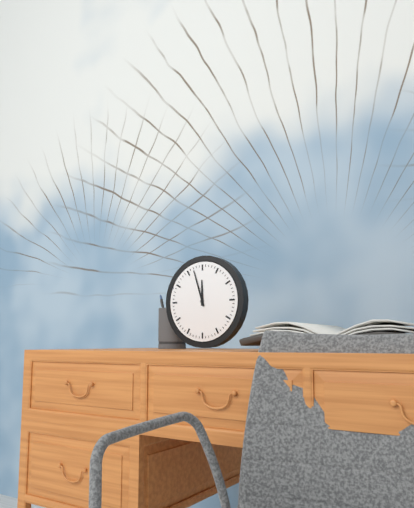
11:57
